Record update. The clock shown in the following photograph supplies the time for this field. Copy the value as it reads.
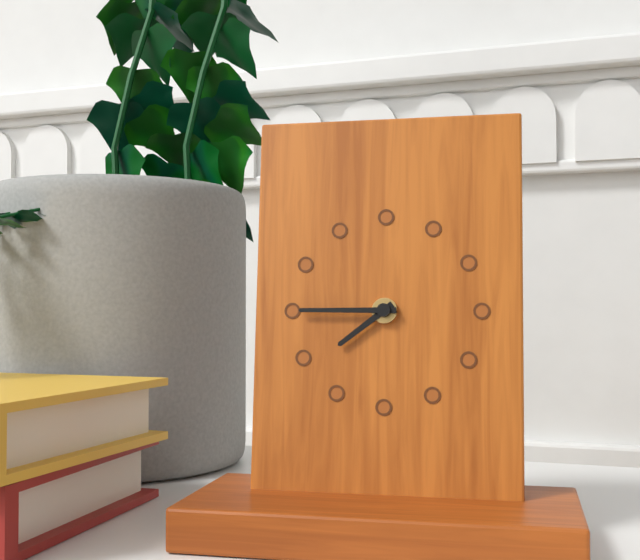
7:45
